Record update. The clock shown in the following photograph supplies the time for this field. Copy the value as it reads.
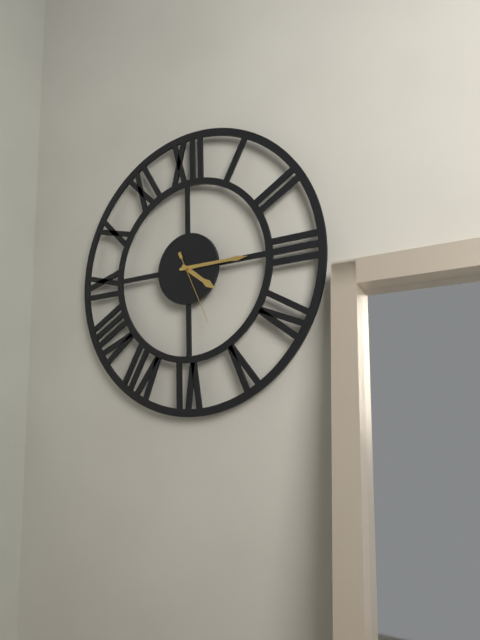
4:15:26
